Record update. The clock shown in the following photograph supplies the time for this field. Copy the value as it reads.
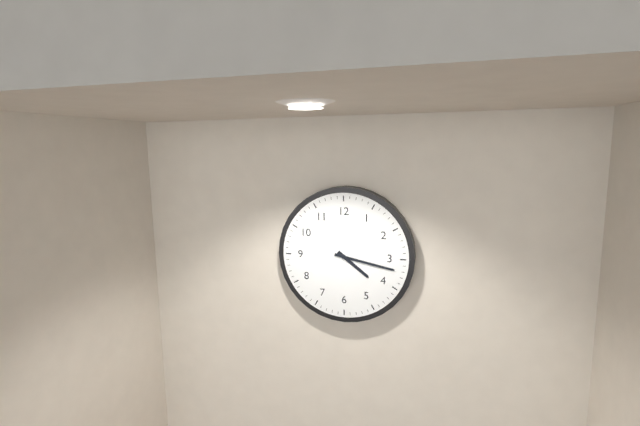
4:17
